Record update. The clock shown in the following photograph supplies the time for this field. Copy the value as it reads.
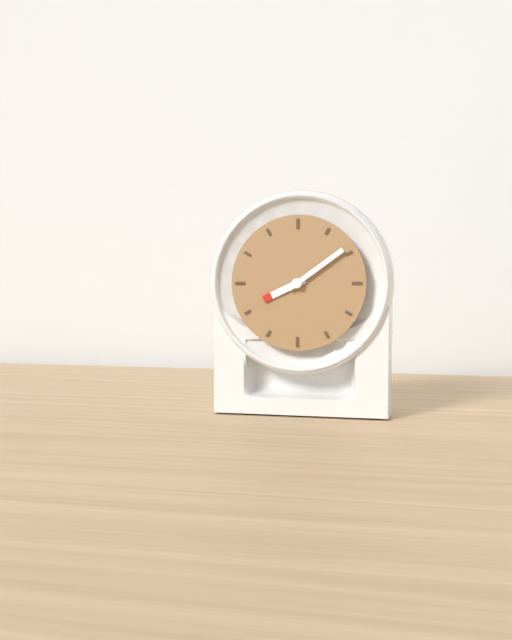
8:09
